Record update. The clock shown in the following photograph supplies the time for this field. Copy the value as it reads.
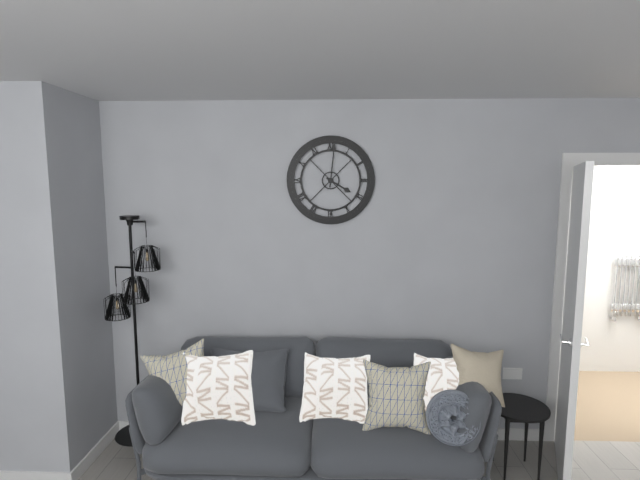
4:01
